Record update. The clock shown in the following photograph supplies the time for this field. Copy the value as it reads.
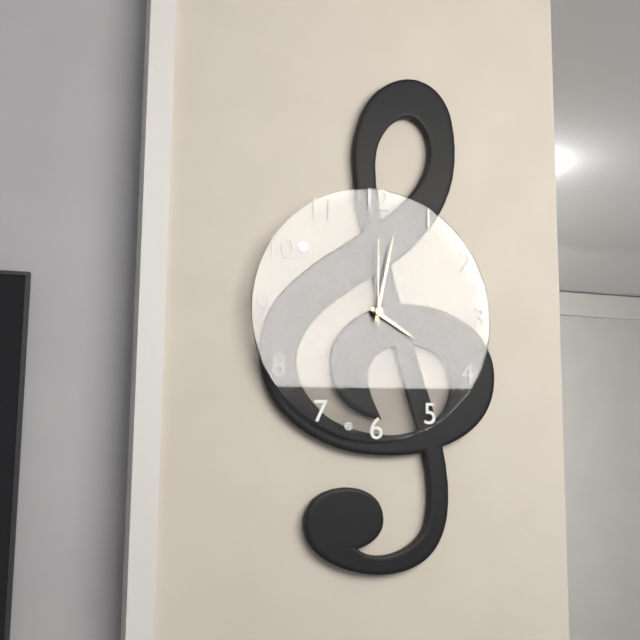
4:02:00
